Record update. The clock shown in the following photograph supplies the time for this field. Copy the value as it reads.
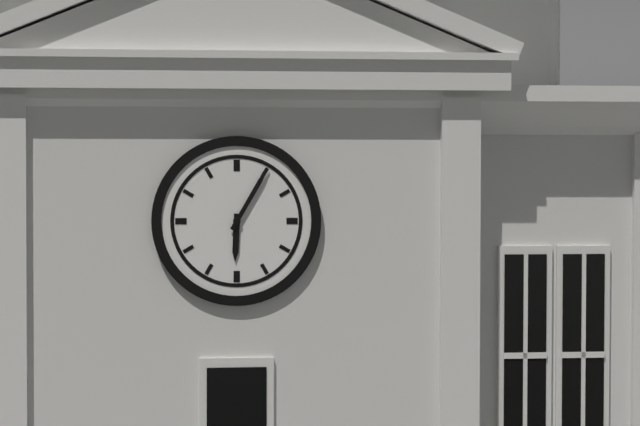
6:05
